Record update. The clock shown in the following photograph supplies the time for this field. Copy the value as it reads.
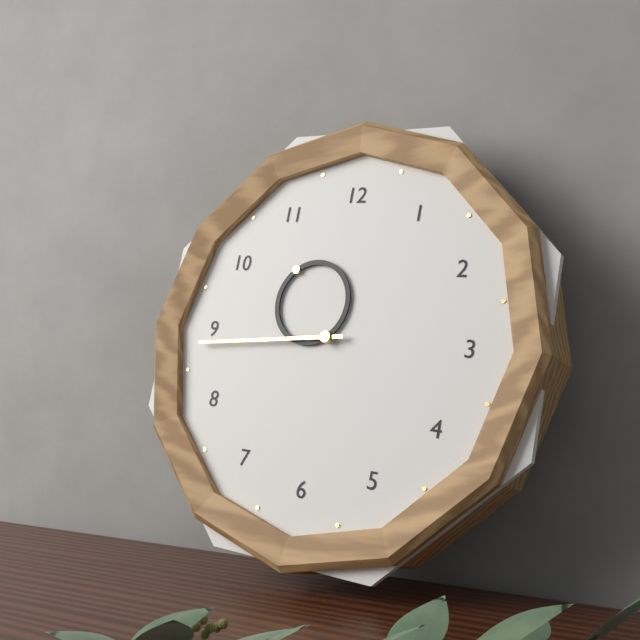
10:44
